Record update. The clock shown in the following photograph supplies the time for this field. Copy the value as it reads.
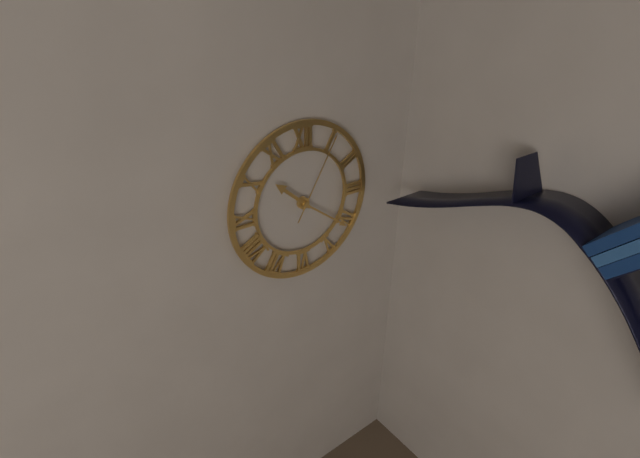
10:21:05
